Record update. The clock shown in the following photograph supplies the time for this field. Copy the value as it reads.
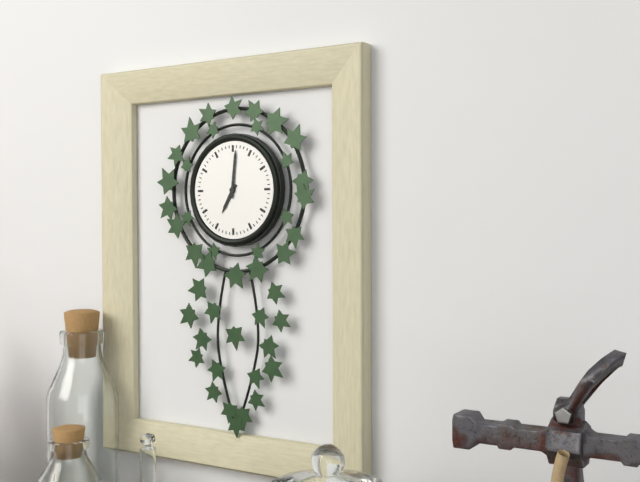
7:01
